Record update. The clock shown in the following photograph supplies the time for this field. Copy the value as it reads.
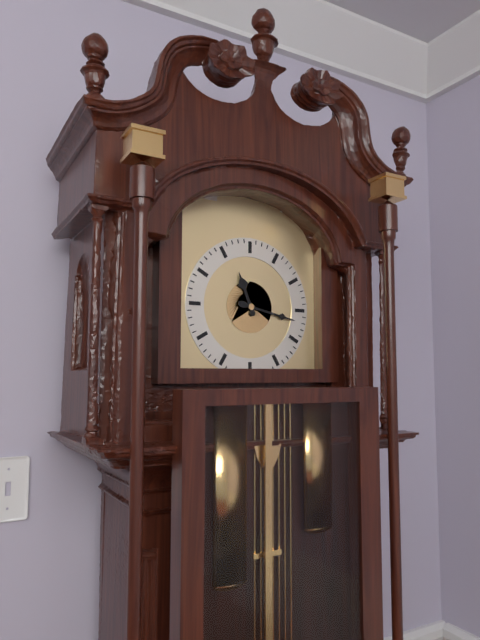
11:17
